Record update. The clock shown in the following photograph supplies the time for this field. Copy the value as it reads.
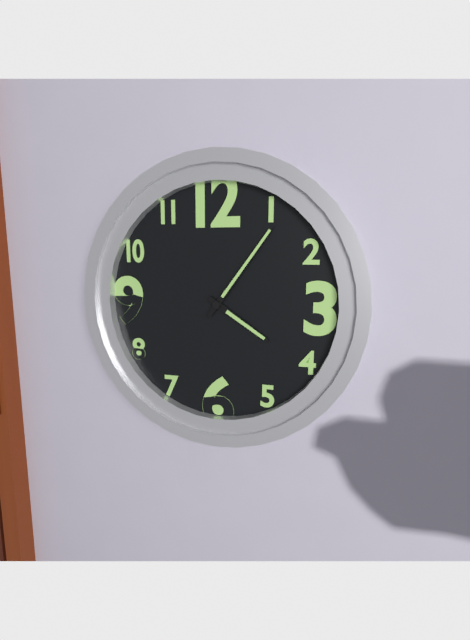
4:06
